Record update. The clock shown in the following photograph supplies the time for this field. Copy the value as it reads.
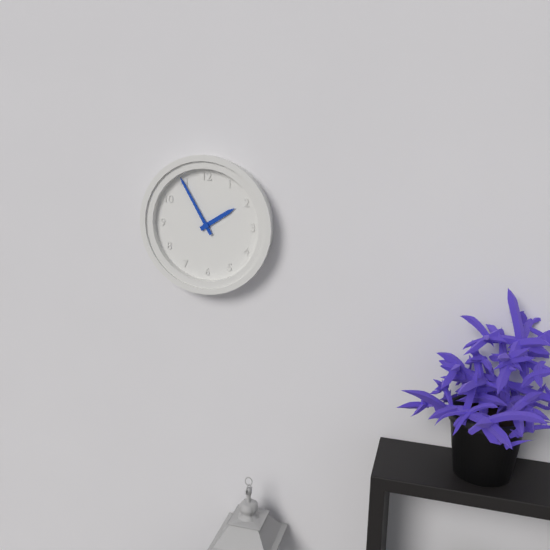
1:55
